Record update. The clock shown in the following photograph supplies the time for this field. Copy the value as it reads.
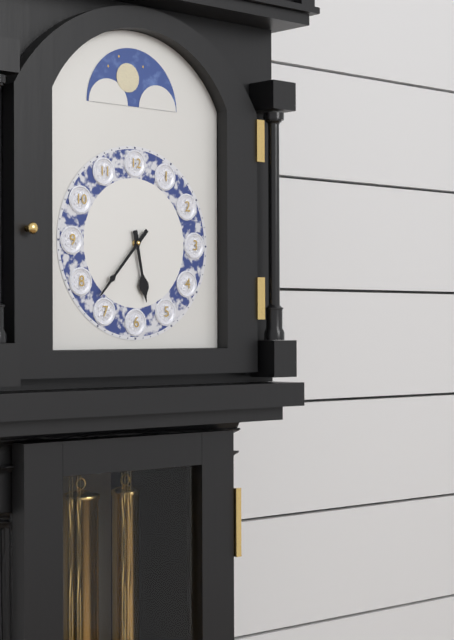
5:37
